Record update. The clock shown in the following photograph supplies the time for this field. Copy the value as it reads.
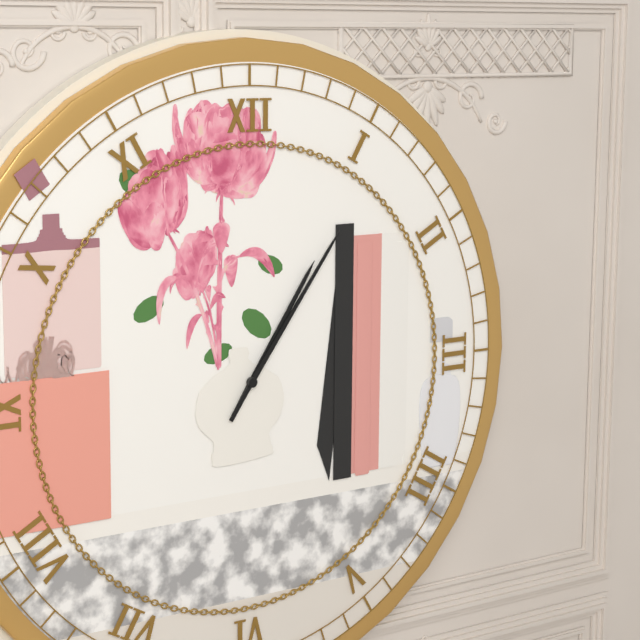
1:06
